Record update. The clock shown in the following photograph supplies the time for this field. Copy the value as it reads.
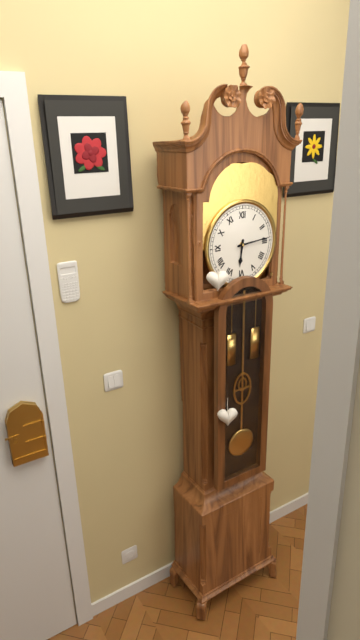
6:14
